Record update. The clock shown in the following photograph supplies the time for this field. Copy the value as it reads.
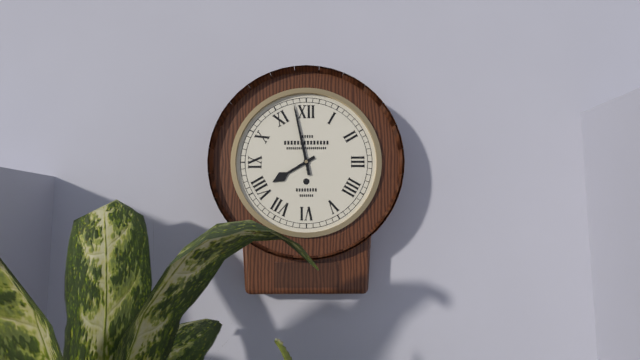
7:58
